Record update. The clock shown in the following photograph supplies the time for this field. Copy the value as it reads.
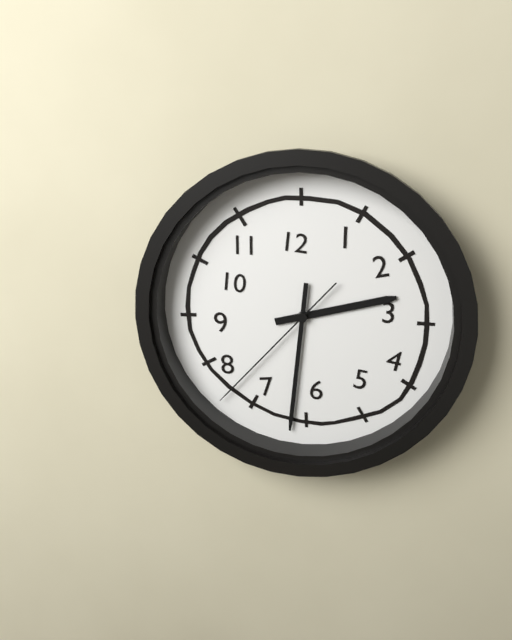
2:31:37
